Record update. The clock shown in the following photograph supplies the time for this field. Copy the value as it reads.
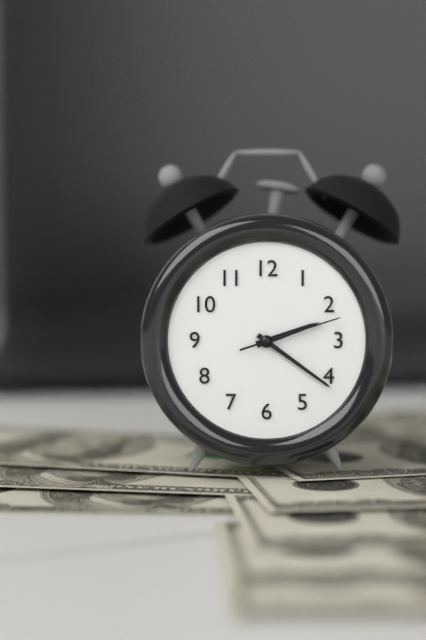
2:21:12
